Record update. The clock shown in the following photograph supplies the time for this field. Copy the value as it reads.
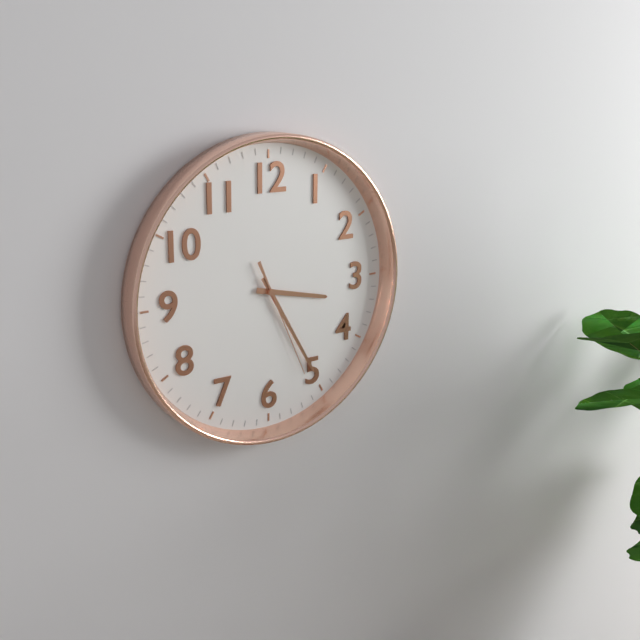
3:25:26
